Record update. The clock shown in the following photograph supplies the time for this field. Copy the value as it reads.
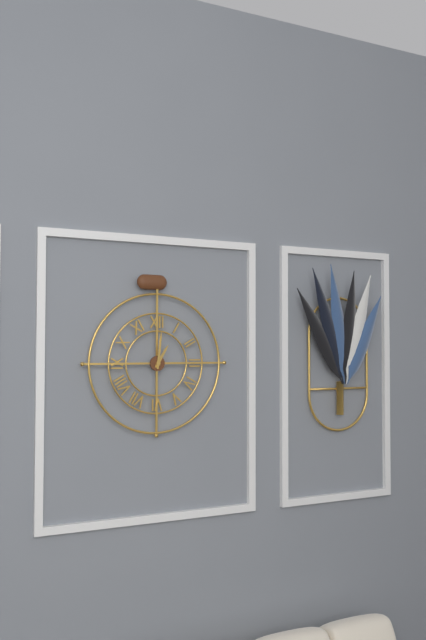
1:01
